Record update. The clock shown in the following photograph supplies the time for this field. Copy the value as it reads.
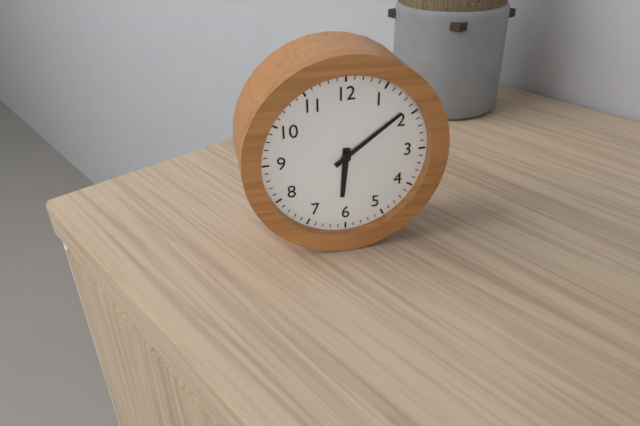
6:09
